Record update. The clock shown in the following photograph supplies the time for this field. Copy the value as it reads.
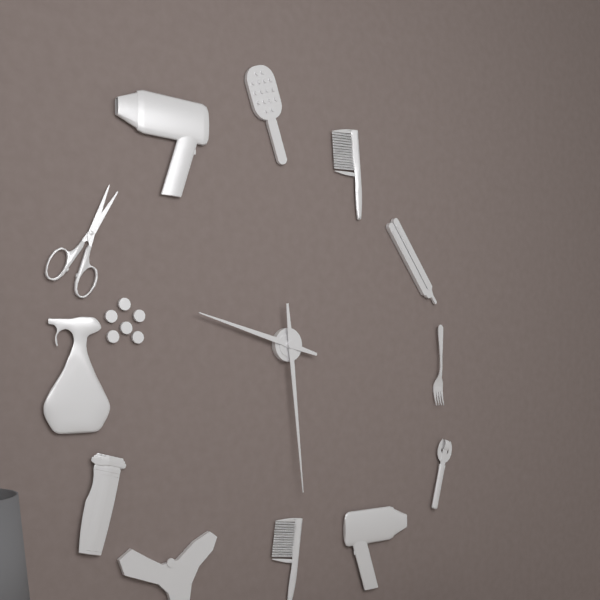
9:29
